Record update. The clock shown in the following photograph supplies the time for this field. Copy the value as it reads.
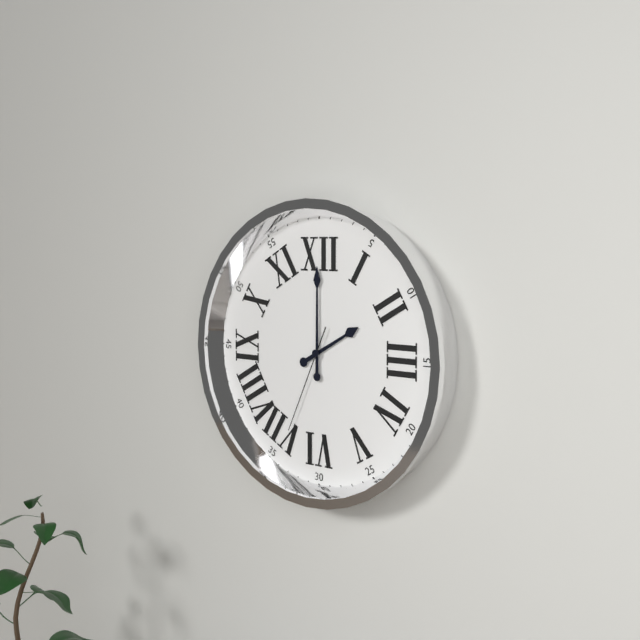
2:00:34
